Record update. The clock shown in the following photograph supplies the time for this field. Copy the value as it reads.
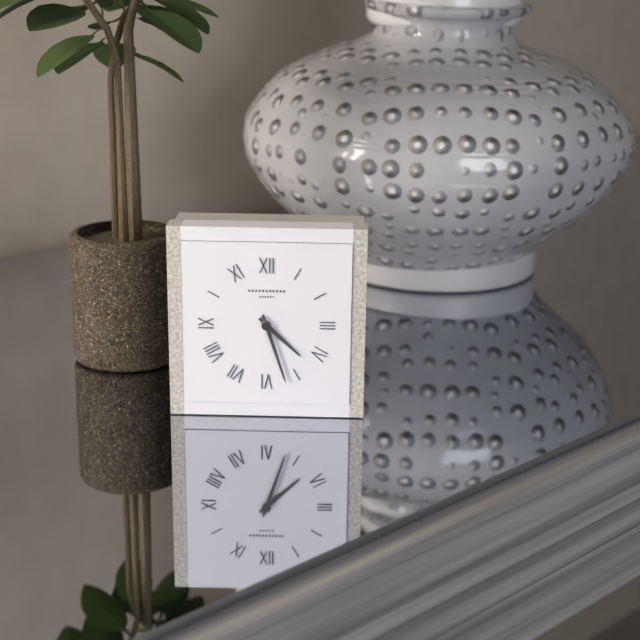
4:27
